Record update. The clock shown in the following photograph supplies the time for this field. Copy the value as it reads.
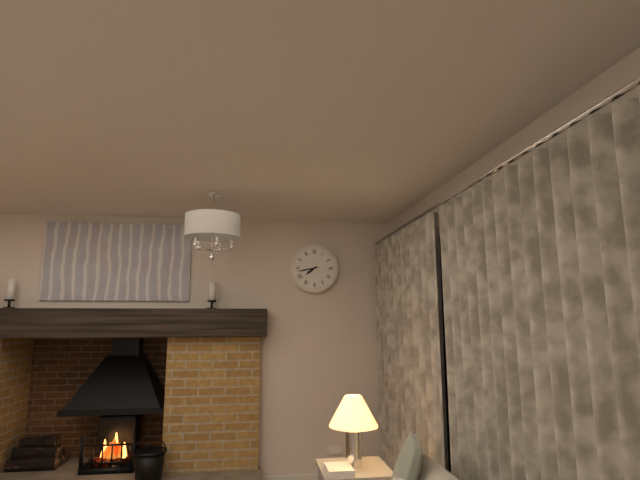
7:43
